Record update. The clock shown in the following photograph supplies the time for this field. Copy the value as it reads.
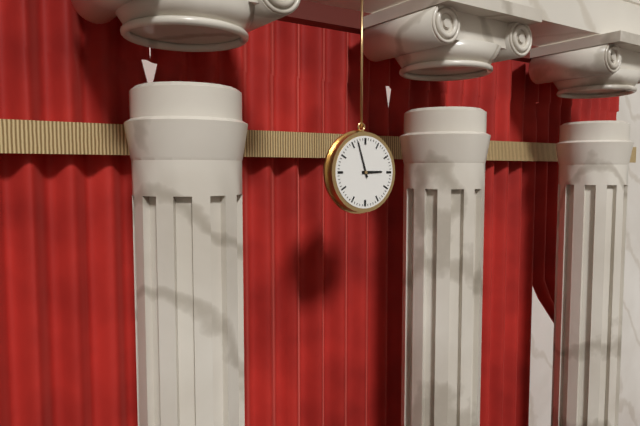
2:57
